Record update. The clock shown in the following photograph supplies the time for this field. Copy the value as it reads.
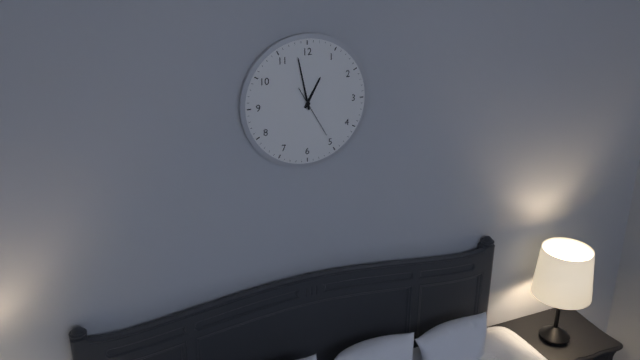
12:58
